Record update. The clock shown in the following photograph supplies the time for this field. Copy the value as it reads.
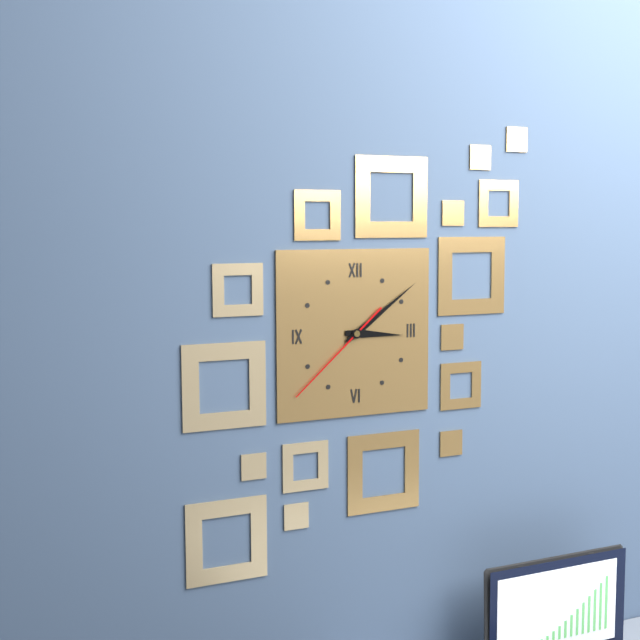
3:09:38
